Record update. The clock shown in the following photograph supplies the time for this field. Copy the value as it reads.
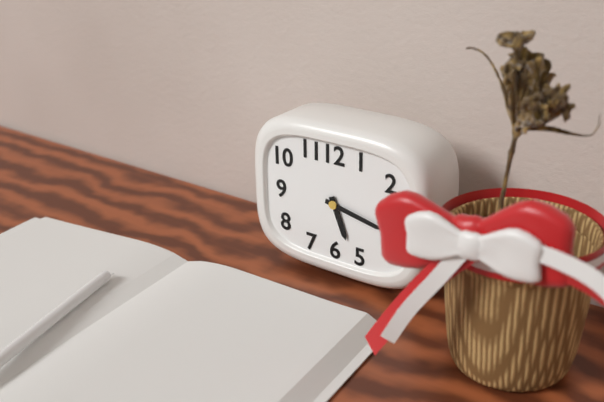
5:17
